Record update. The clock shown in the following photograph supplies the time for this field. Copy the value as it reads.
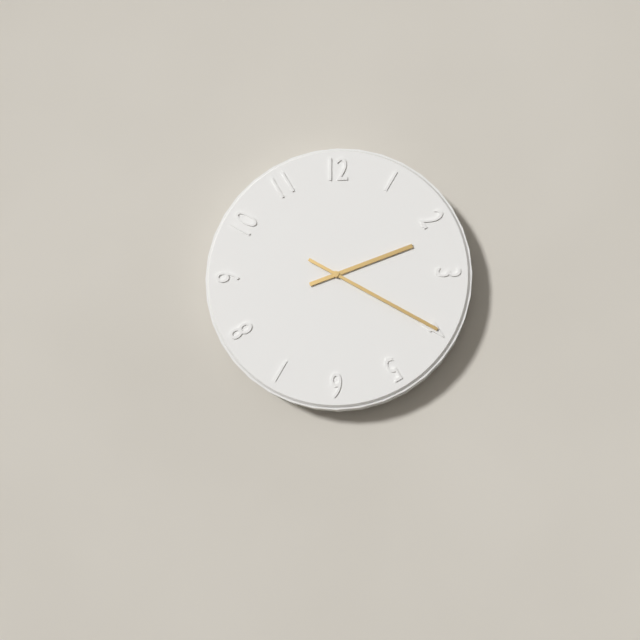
2:20
